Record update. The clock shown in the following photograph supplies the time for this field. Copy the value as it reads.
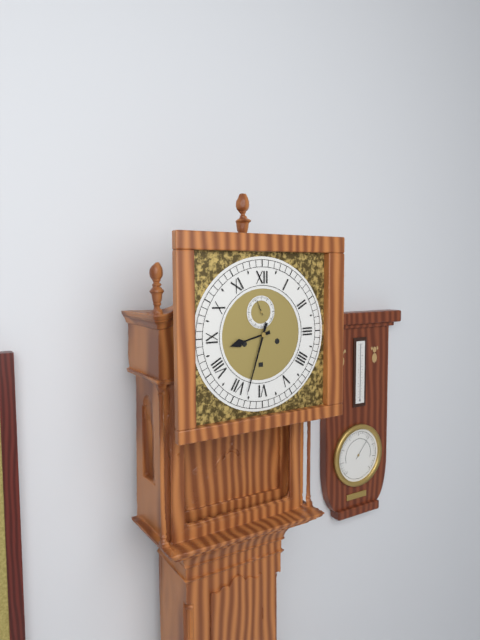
8:33
